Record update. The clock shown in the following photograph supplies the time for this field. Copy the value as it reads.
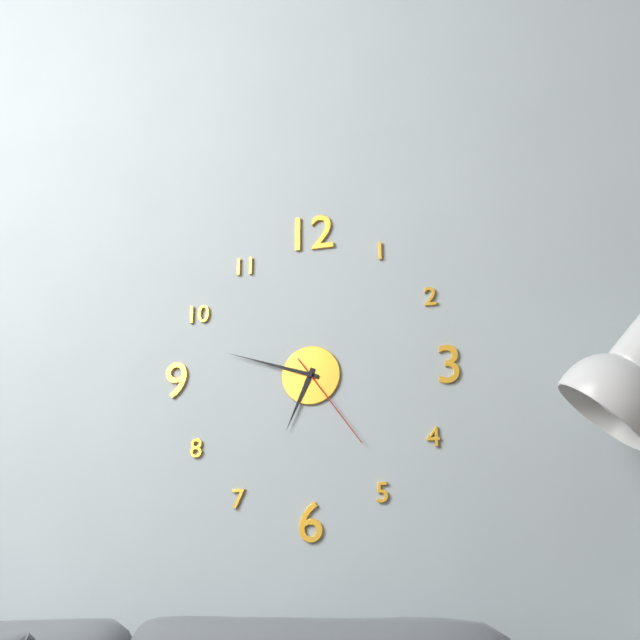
6:48:24
